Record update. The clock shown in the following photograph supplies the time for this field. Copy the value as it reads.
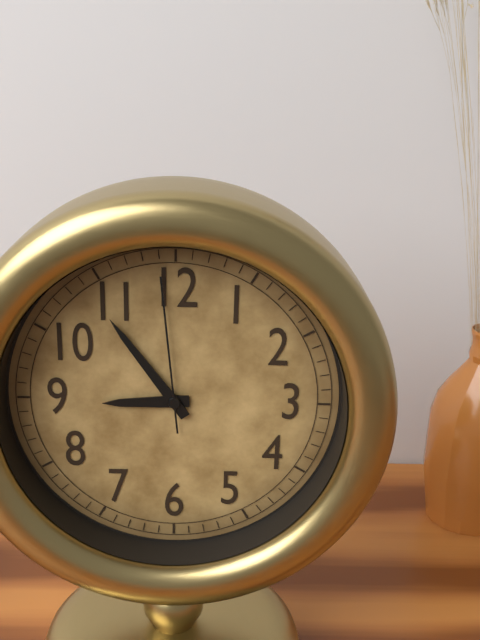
8:54:59
